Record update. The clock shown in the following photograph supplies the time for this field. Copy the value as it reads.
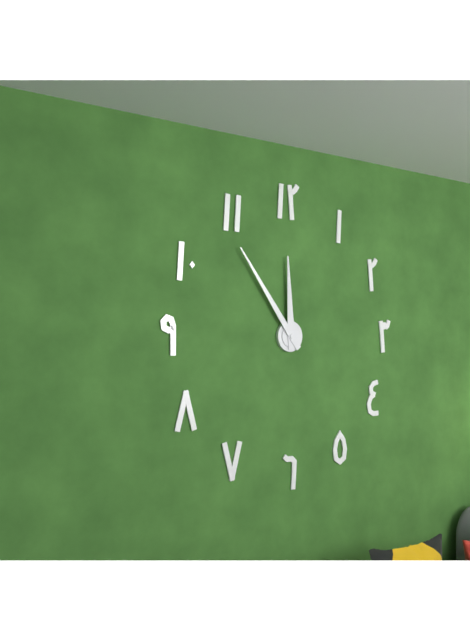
11:54
